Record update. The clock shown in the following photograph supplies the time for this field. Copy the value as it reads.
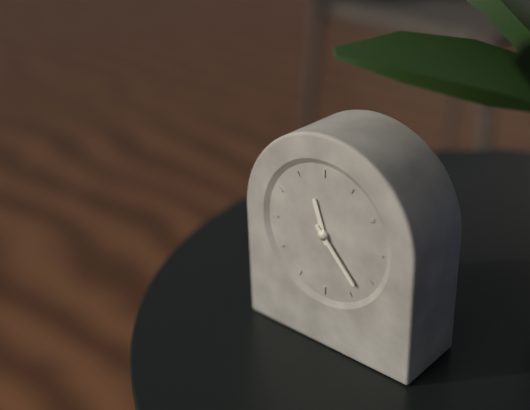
11:23
